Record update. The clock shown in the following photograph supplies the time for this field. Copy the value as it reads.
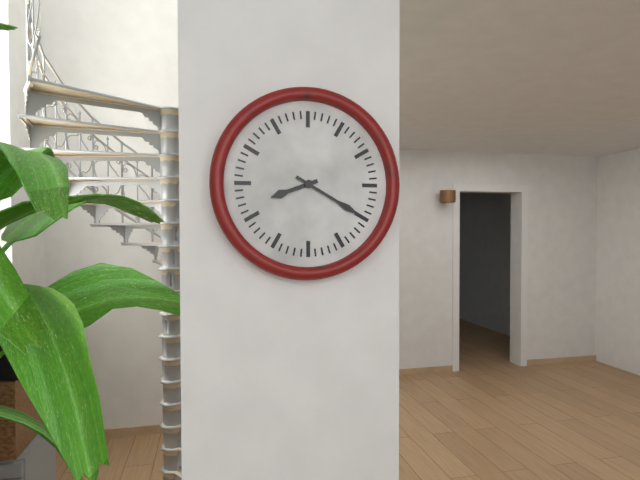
8:20
